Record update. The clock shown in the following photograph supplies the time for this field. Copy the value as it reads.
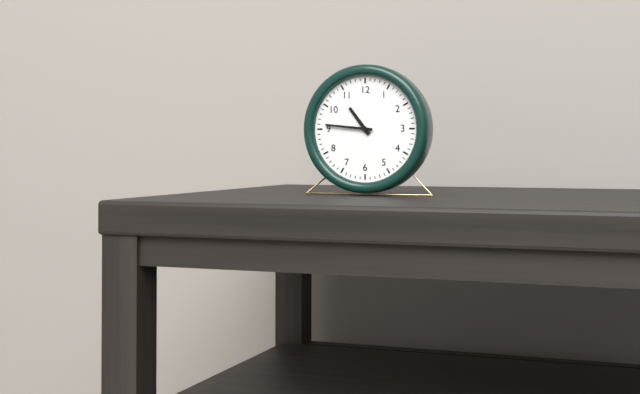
10:46
